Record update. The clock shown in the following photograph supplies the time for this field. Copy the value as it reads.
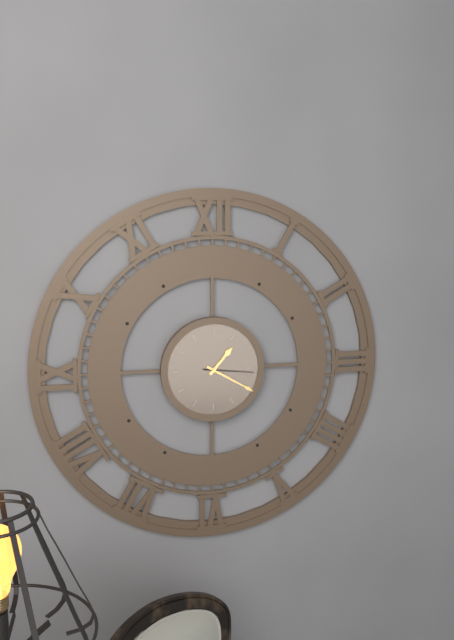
1:20:16
